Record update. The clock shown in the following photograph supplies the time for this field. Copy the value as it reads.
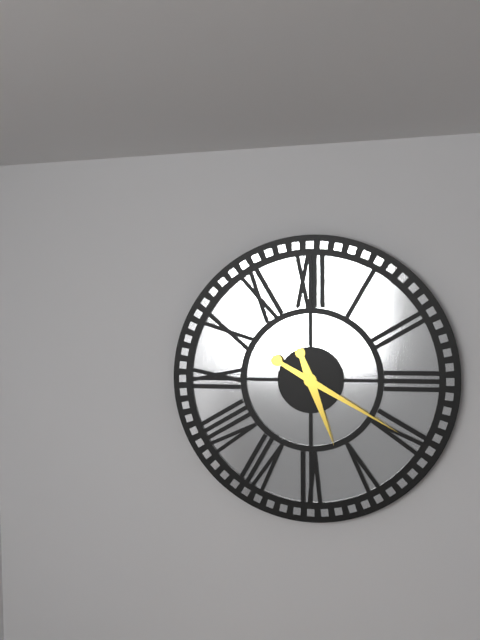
5:20
